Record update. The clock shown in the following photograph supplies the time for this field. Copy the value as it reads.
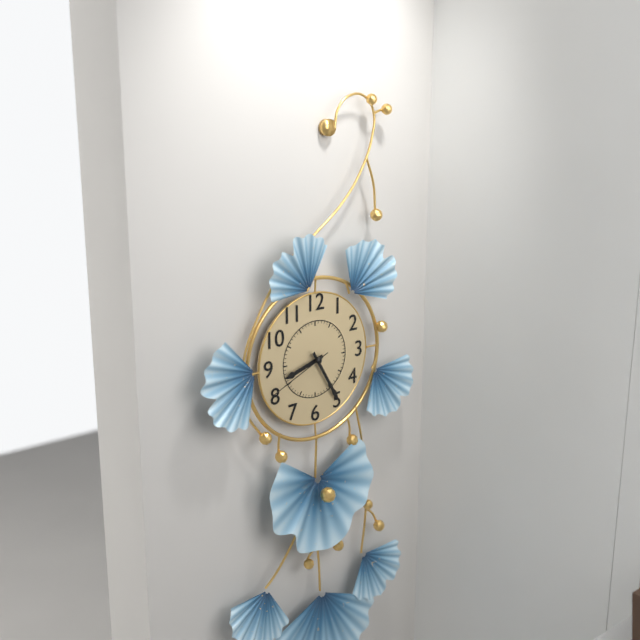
8:25:41
